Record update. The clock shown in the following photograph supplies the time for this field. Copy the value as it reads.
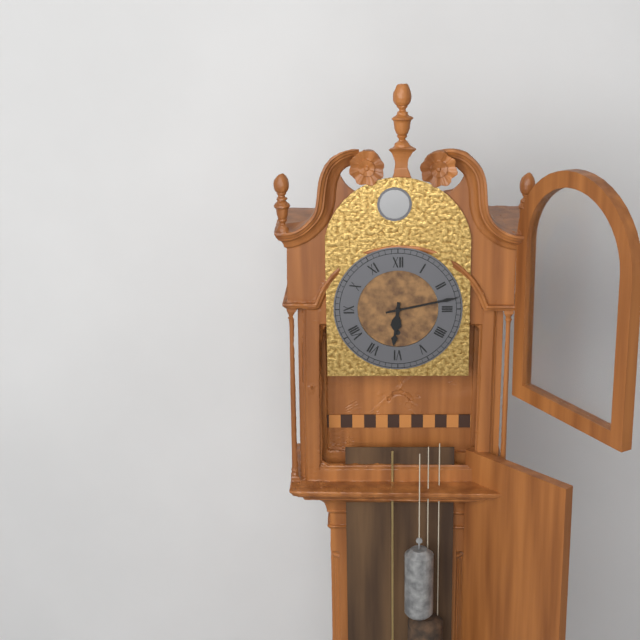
6:13
